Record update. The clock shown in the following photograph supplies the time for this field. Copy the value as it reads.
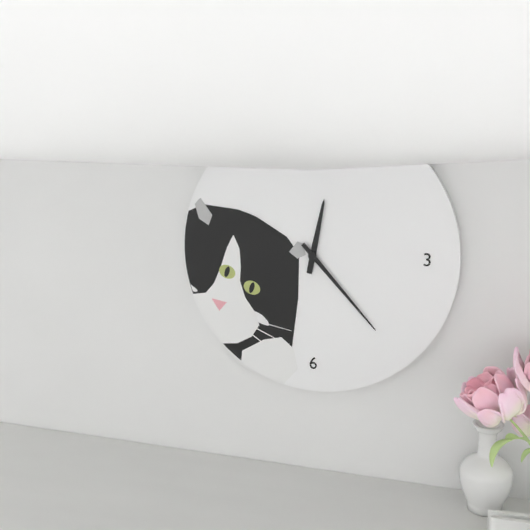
12:23
